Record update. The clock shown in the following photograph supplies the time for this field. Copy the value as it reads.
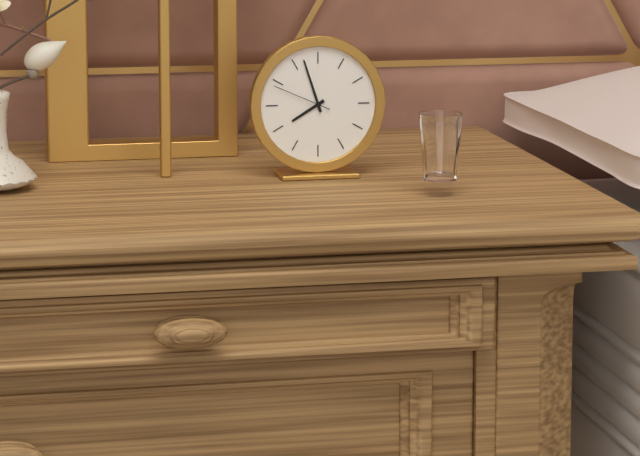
7:57:49
